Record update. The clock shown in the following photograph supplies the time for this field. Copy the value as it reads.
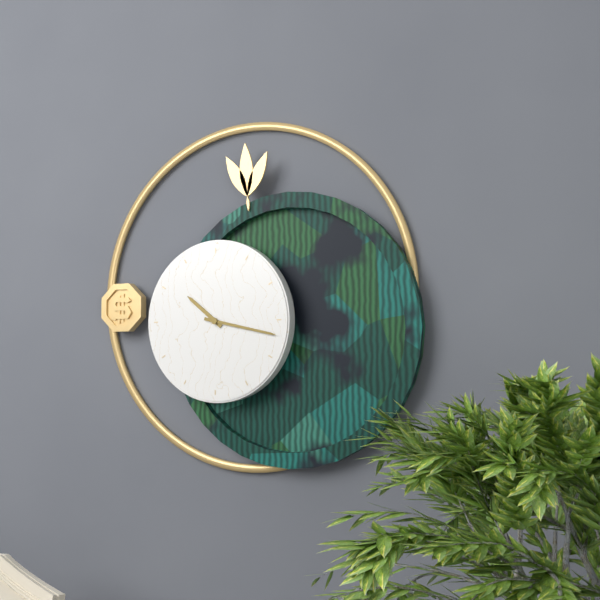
10:17
